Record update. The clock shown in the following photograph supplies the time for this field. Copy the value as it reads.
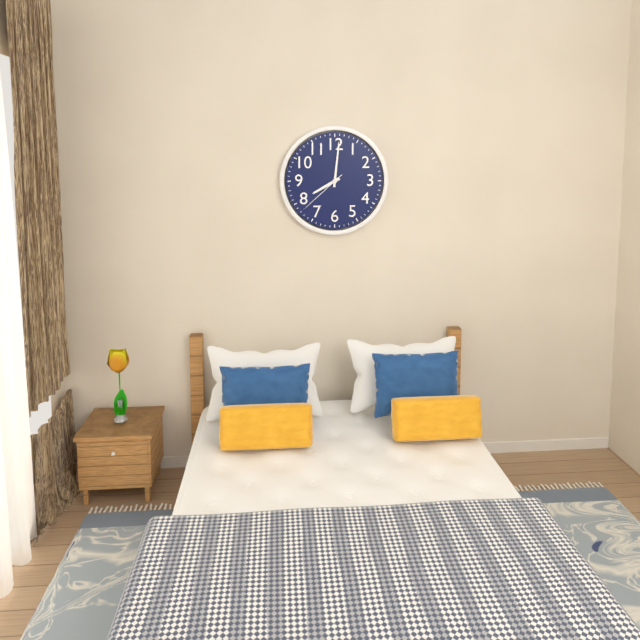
8:01:38
